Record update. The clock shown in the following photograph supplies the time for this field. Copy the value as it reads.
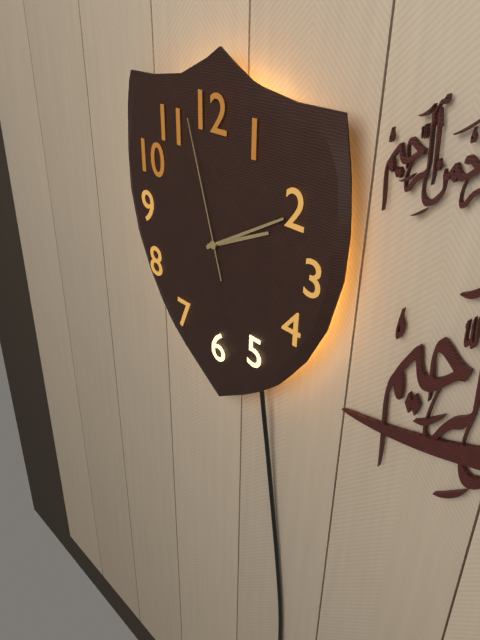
2:10:57
